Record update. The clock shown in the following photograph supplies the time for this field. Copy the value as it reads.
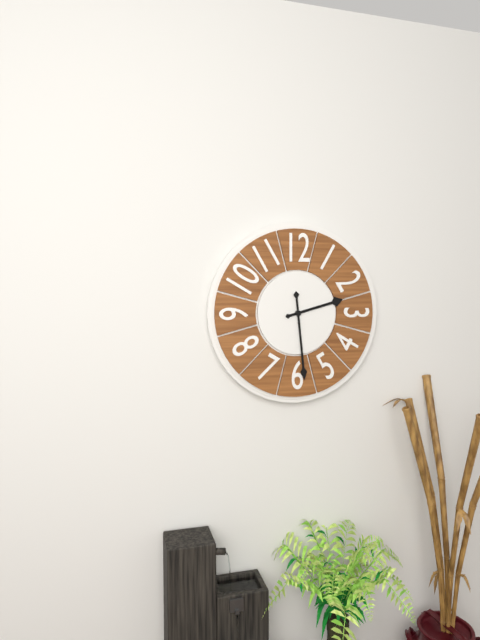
2:29
